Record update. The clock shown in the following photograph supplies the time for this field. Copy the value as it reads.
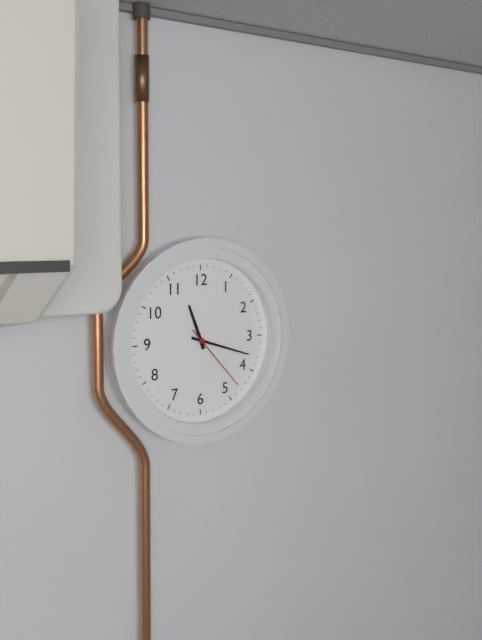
11:18:23
